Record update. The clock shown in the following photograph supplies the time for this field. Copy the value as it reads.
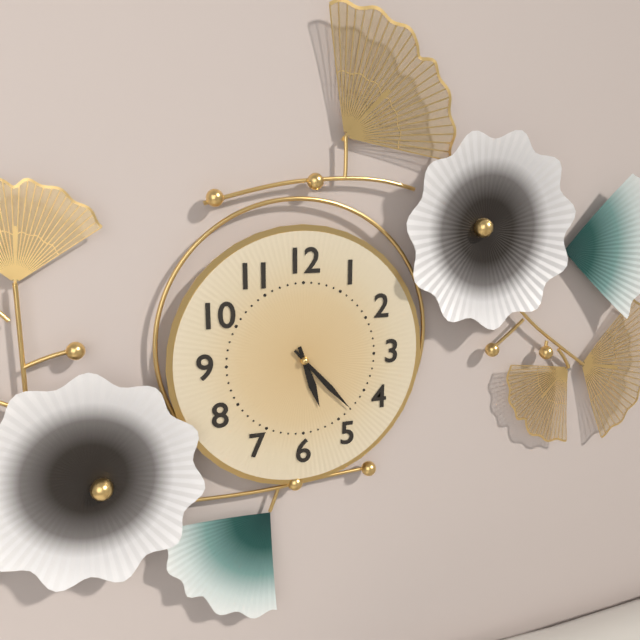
5:23
